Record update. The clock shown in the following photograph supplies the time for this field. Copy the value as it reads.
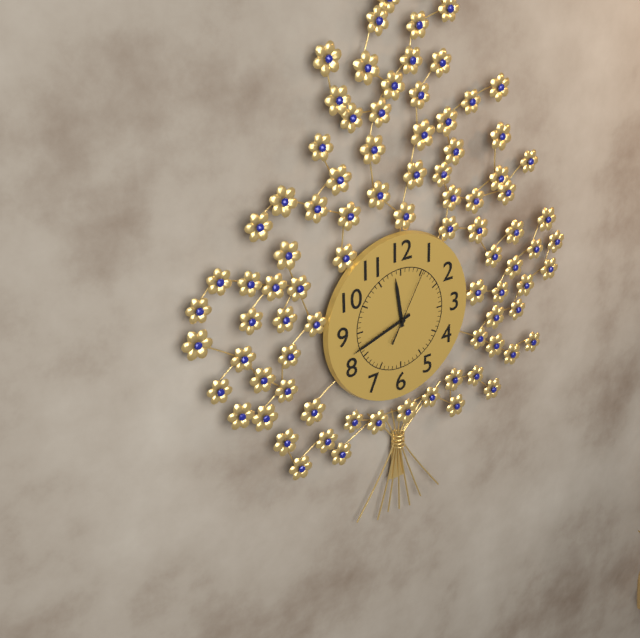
11:42:05
